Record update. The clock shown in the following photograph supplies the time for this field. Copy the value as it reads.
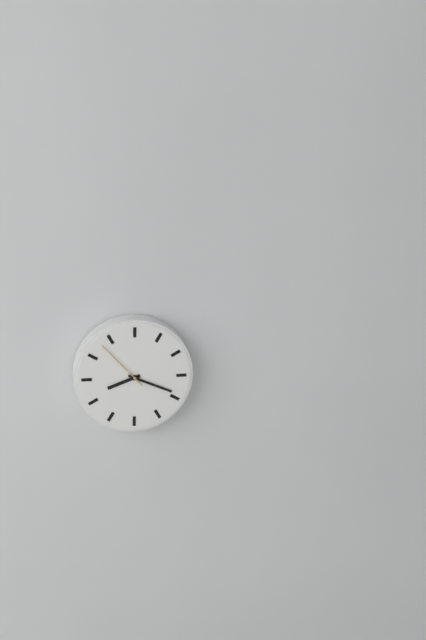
8:19:53
